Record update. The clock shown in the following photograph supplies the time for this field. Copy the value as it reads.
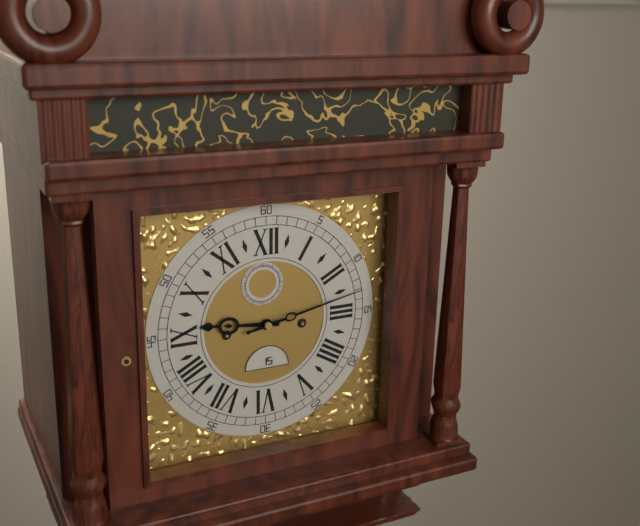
9:13
